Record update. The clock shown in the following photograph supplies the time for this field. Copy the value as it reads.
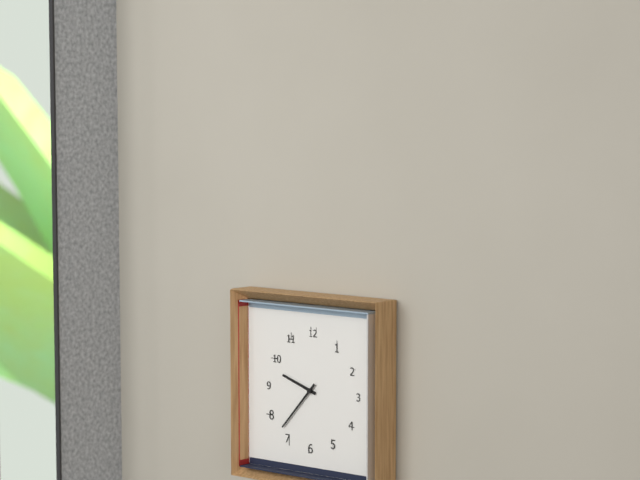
9:37
